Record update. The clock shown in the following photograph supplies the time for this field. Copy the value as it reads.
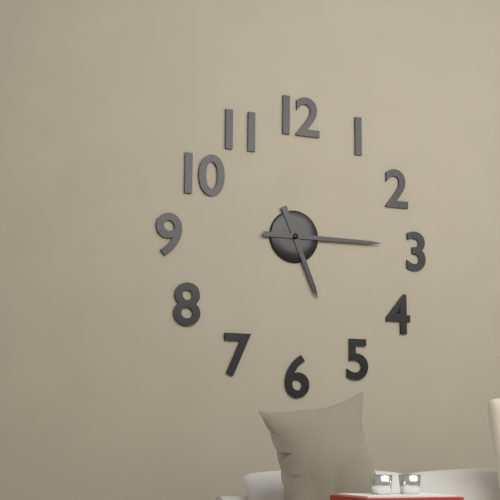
5:15
